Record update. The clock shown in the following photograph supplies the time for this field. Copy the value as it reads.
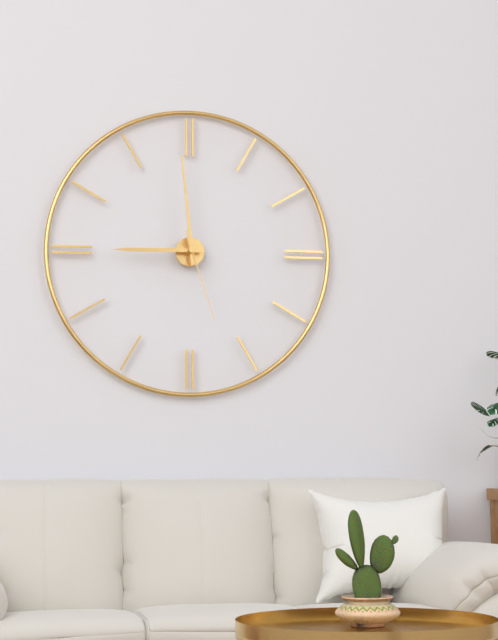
8:59:27
